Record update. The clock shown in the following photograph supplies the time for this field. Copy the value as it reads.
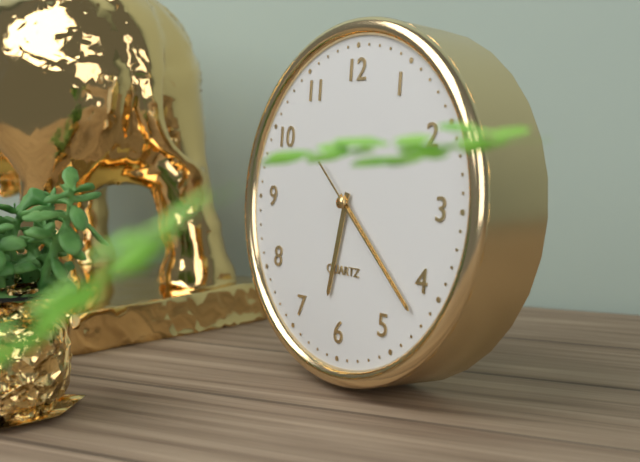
6:22:22
